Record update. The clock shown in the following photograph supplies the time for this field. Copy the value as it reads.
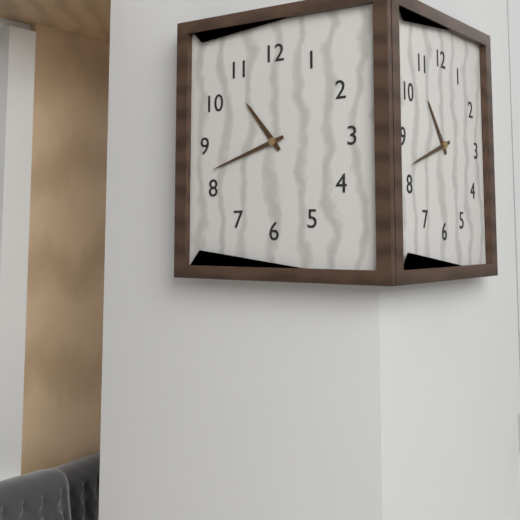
10:42
